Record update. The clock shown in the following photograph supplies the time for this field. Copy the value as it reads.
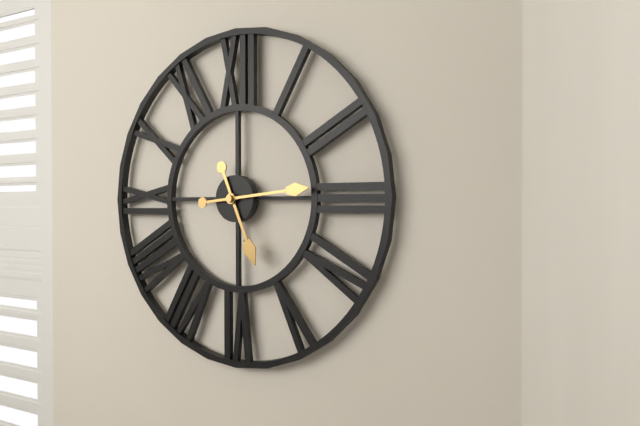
5:14
